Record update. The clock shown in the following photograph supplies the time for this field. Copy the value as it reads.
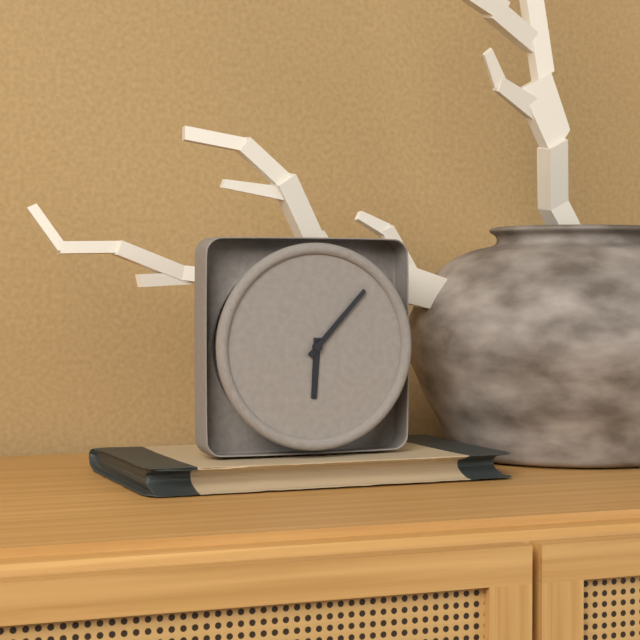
6:07
